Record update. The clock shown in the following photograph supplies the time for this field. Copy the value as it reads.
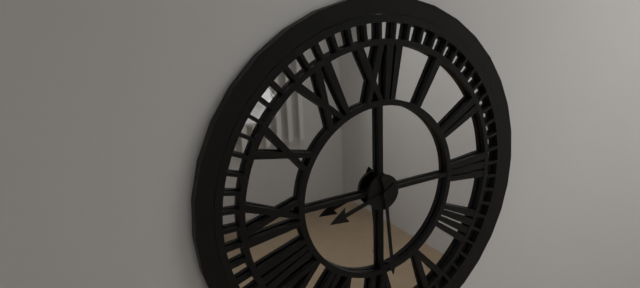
8:29
